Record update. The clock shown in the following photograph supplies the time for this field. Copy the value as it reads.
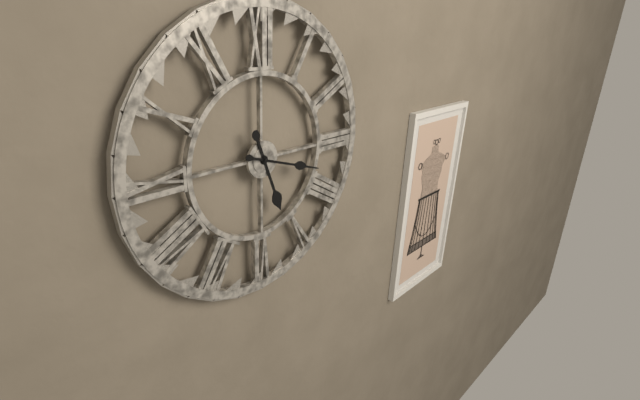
5:18
